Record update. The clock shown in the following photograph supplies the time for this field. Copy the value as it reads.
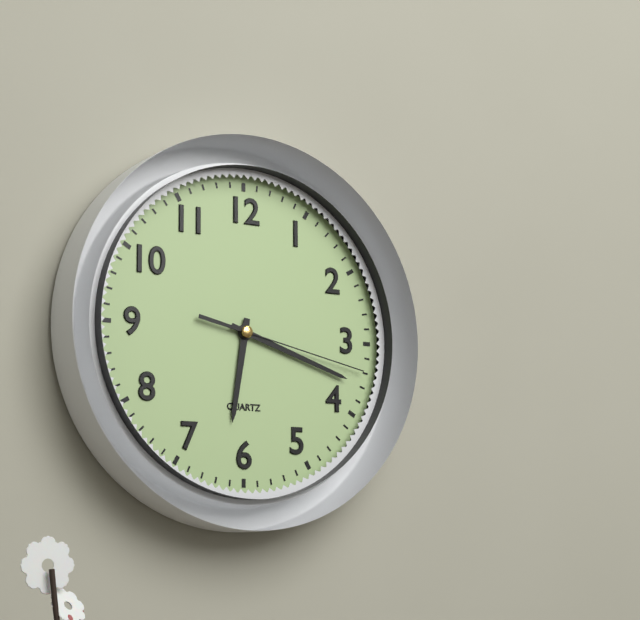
6:18:17
